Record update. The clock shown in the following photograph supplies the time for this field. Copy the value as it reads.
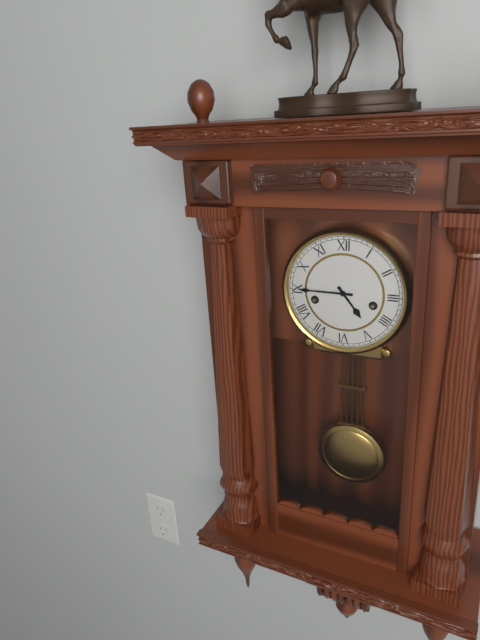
4:45
